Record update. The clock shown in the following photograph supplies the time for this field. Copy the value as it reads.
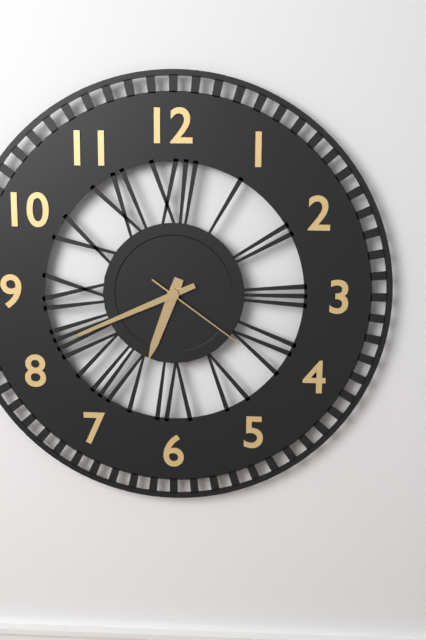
6:41:21
